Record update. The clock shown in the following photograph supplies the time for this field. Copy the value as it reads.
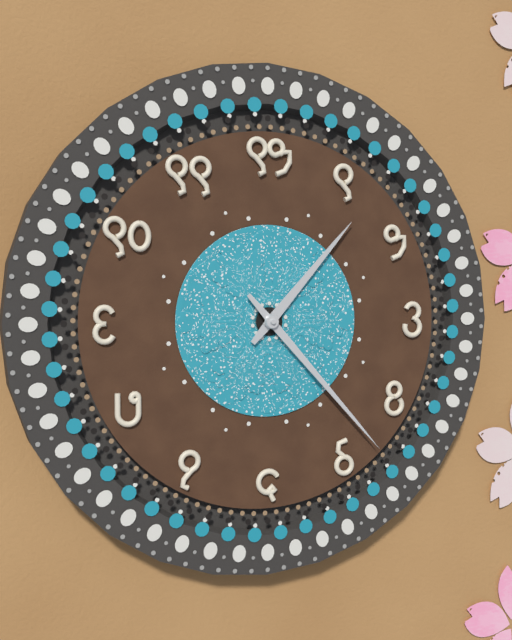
1:23
